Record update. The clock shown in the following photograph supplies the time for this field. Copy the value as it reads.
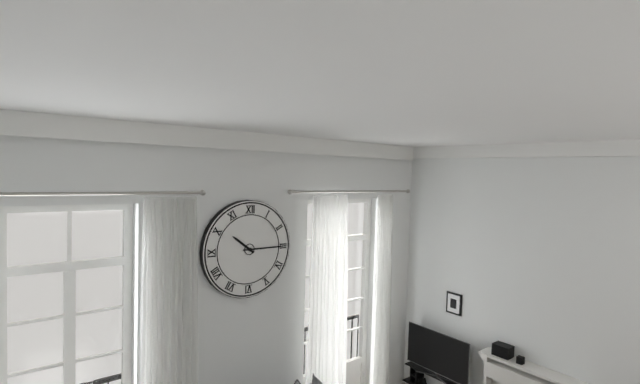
10:15
